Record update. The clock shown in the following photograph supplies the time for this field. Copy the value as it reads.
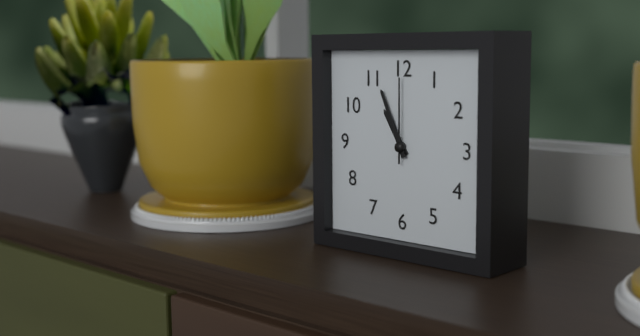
10:56:00
